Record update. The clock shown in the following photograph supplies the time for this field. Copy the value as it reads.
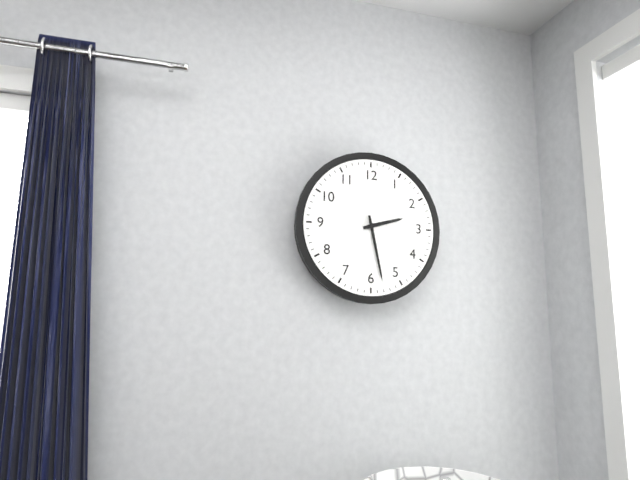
2:28
